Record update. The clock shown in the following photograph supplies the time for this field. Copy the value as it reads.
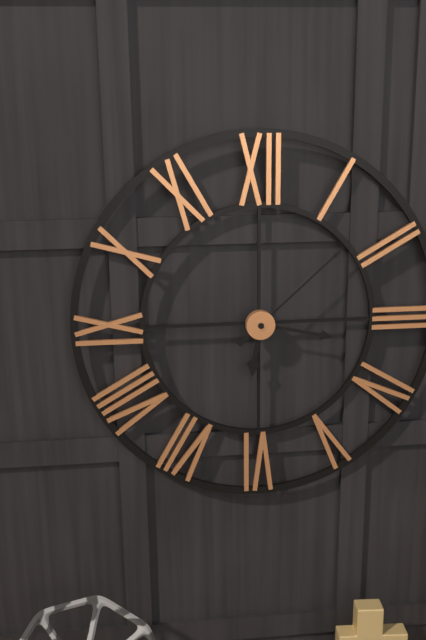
6:17:08
